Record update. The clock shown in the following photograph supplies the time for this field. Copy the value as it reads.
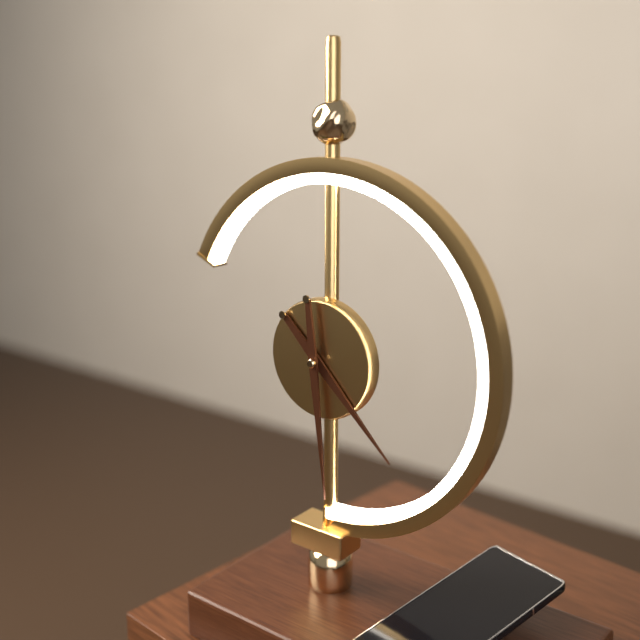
4:29
